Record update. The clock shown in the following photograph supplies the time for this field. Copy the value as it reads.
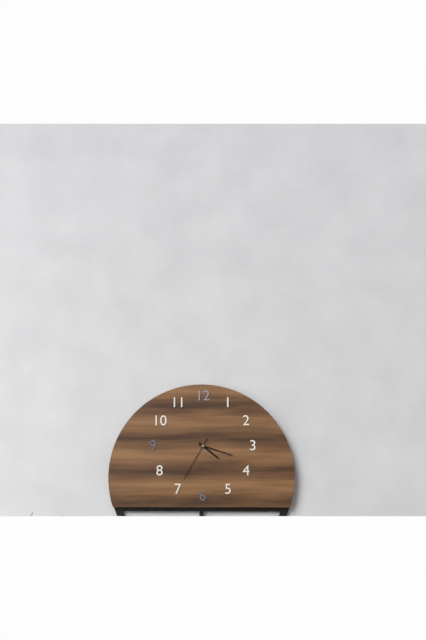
4:18
